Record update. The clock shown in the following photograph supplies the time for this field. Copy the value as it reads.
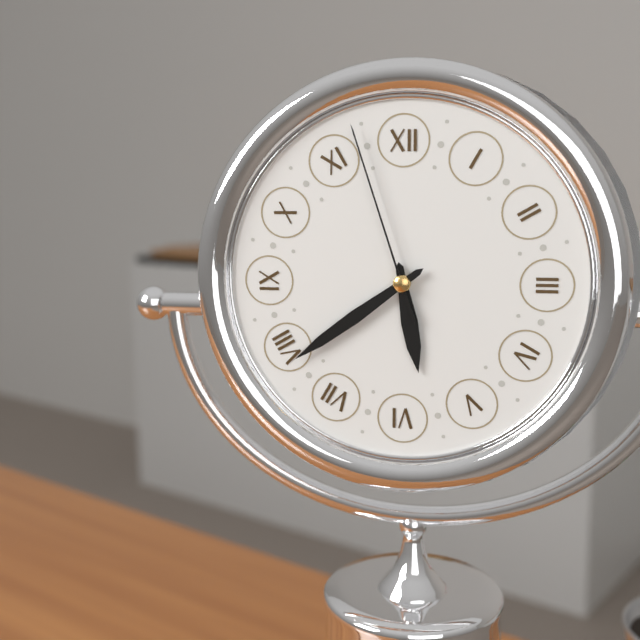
5:39:57
